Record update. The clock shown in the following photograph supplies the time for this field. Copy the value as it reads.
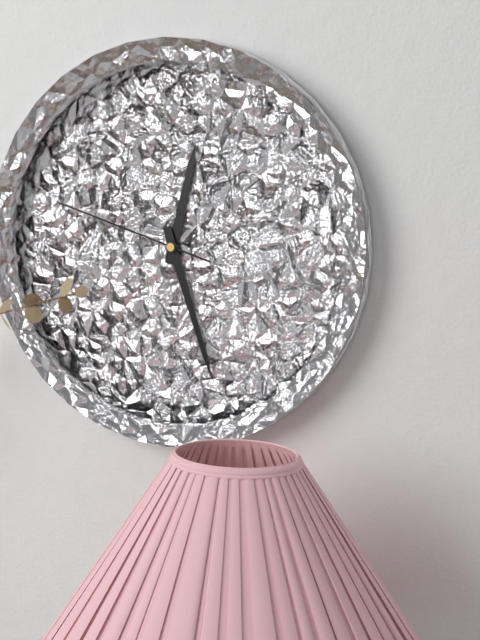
12:27:48
